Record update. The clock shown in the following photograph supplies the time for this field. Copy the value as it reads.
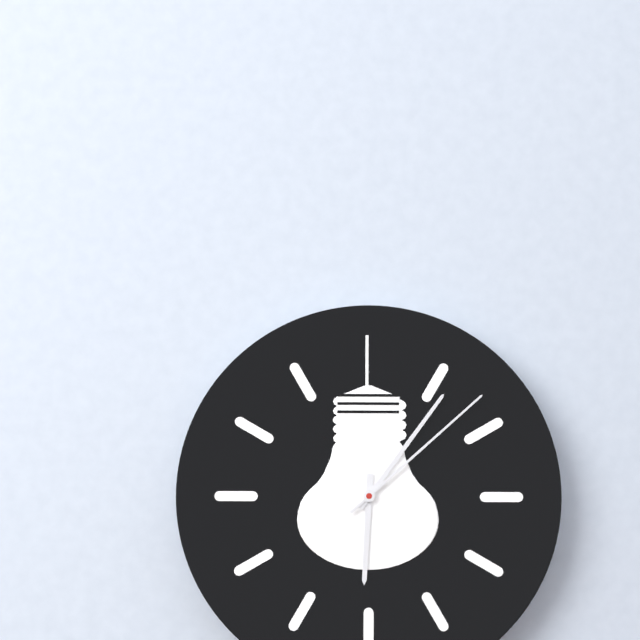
6:06:08
